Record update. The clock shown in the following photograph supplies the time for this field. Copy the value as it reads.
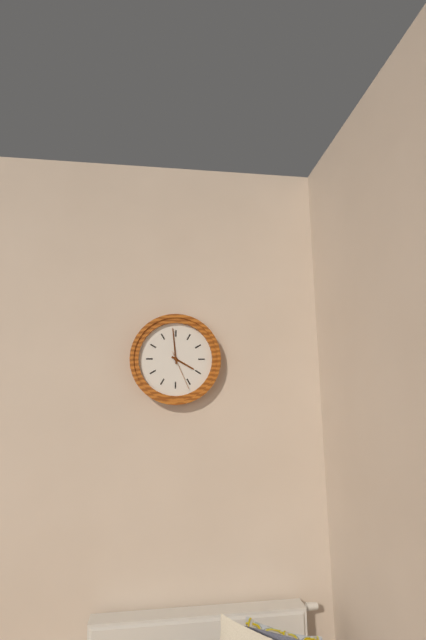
3:59
